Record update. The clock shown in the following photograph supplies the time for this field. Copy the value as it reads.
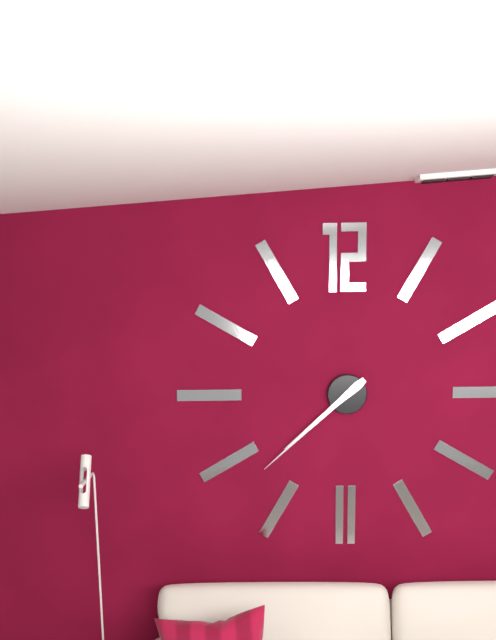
7:38
